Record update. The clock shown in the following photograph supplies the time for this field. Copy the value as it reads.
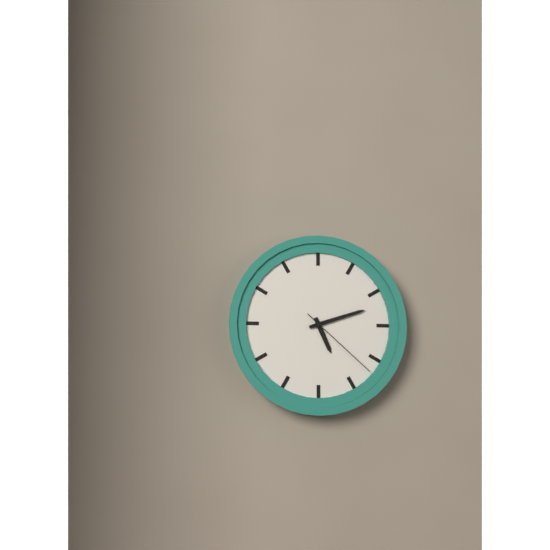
5:12:22
